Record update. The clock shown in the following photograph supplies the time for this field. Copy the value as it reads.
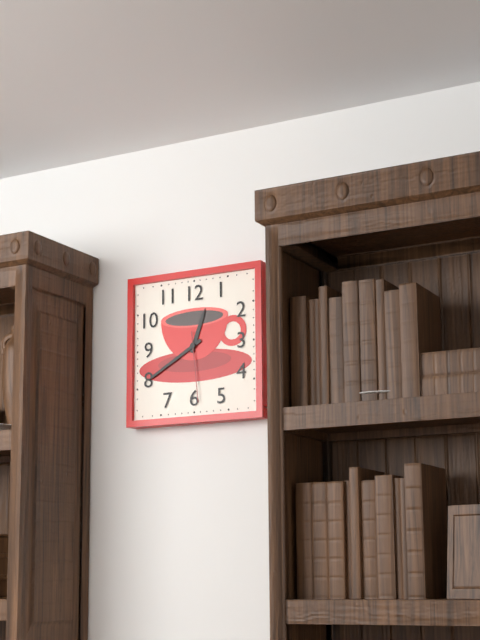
12:40:29
